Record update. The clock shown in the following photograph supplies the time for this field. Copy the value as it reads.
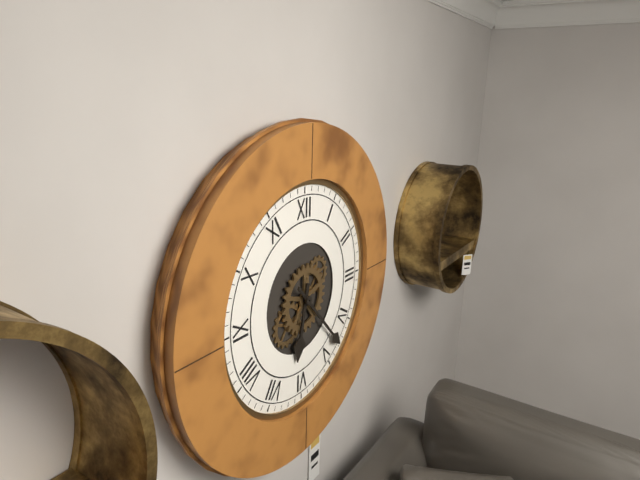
6:23
